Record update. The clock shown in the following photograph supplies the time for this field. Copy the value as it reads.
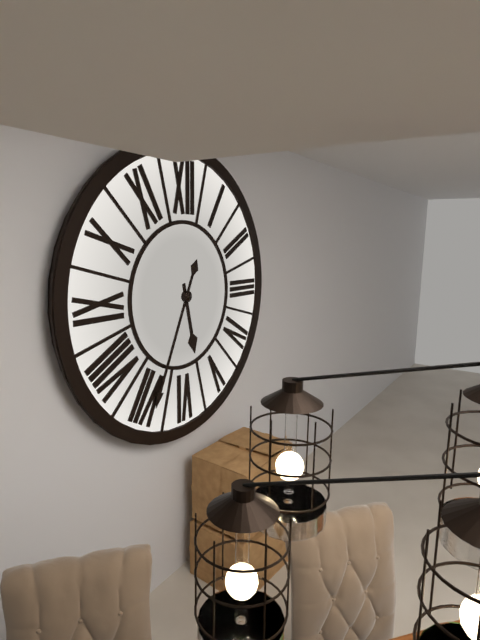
5:34
